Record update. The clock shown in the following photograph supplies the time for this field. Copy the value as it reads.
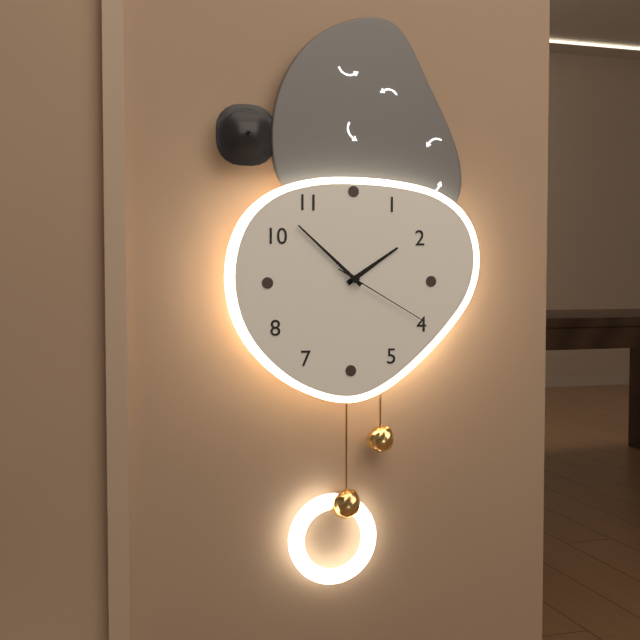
1:52:20
